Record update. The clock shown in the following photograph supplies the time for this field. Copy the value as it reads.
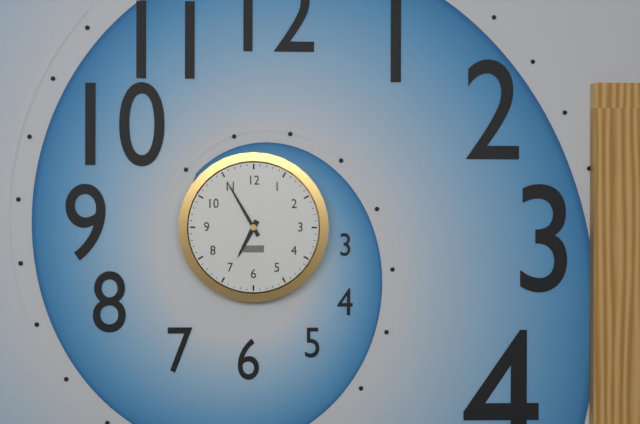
6:55
